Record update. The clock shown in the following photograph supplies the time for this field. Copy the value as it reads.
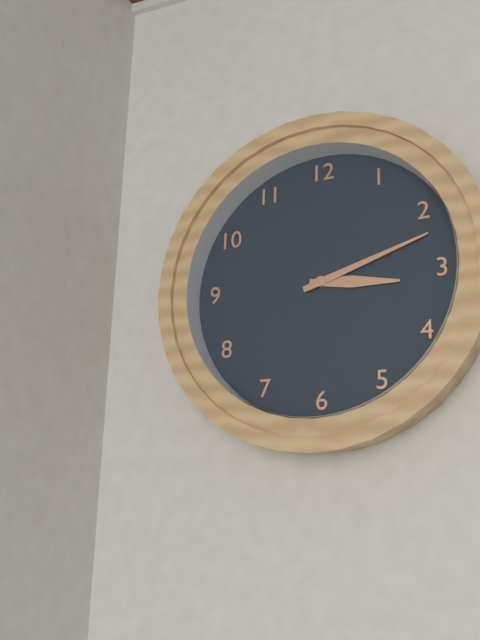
3:12
